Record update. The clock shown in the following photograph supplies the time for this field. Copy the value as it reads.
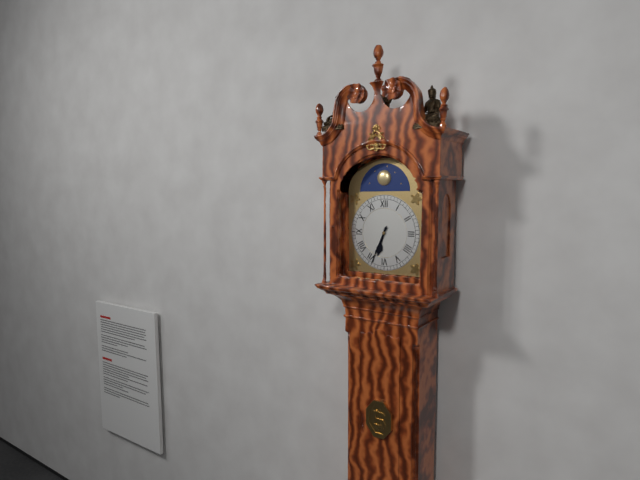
6:34
